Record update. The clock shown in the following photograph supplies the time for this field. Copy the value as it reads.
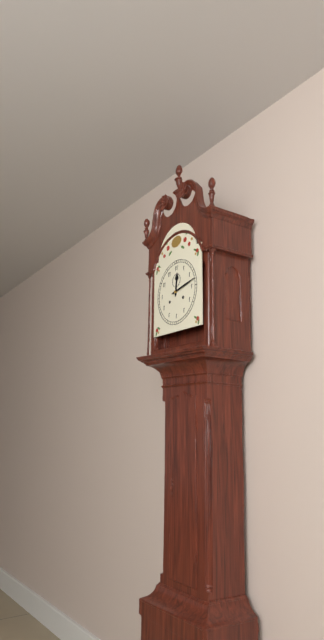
12:13
